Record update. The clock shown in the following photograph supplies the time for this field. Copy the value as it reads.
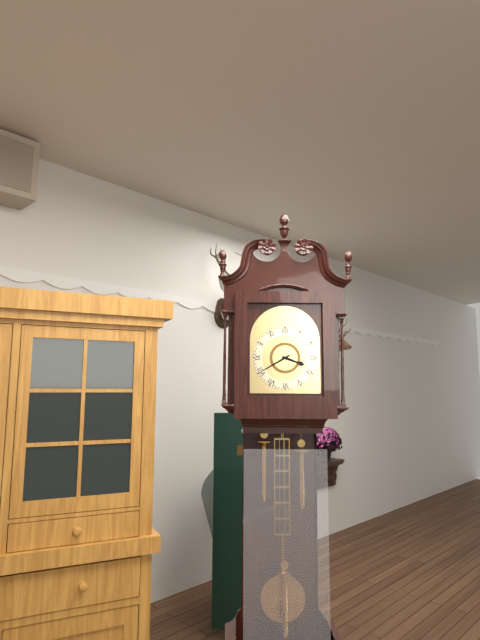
3:40
